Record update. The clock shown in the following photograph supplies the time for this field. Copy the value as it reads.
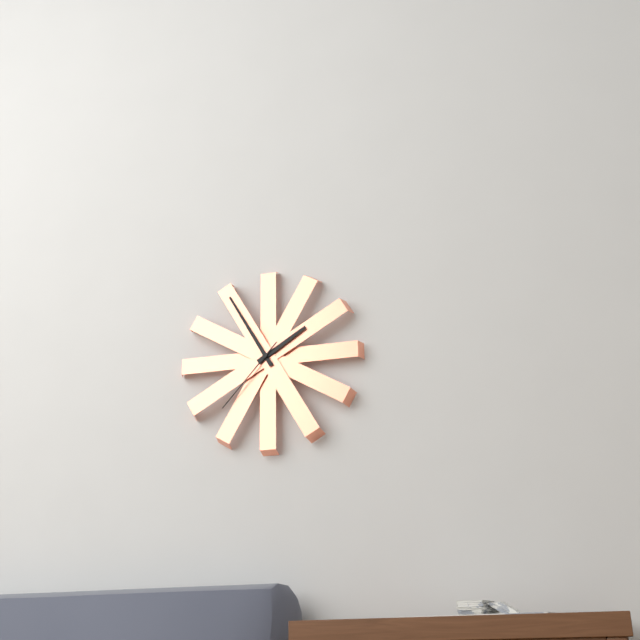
1:55:37
